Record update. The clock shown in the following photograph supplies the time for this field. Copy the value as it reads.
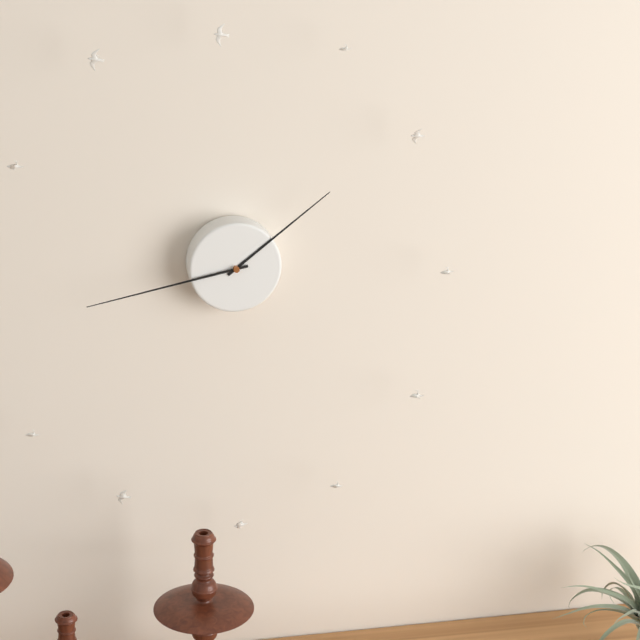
1:43
